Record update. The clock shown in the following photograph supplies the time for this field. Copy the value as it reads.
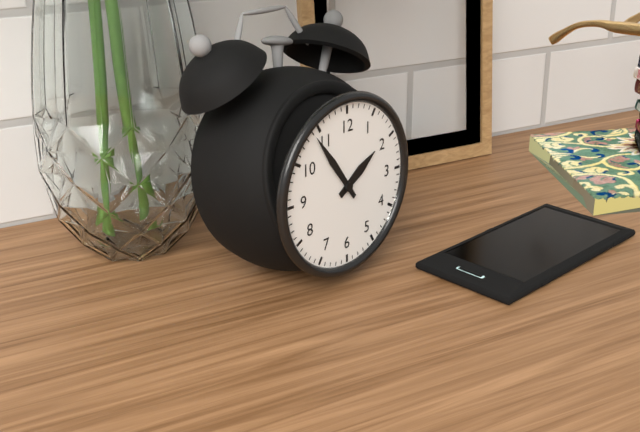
1:54
